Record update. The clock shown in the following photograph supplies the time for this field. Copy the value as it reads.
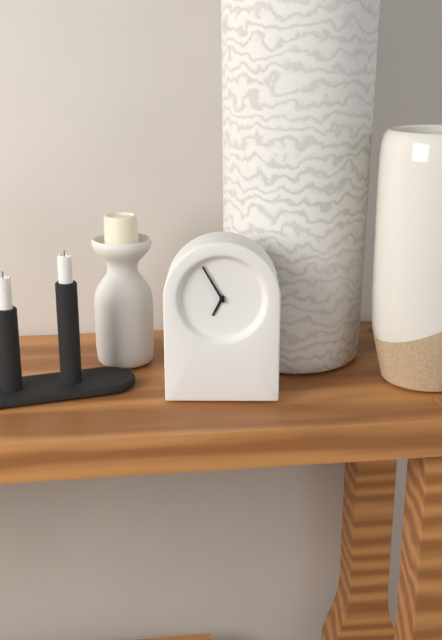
6:55
